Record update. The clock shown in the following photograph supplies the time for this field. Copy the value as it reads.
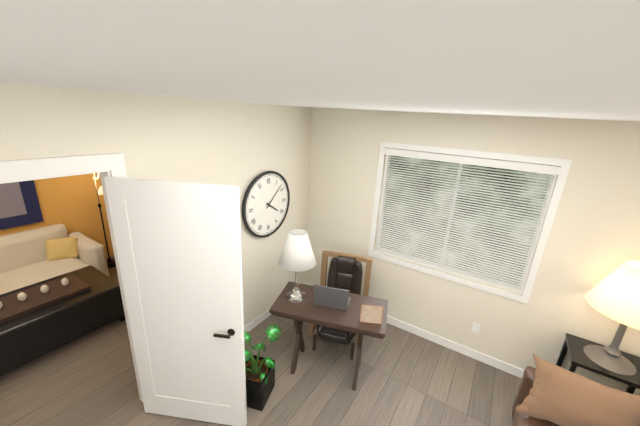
4:08
